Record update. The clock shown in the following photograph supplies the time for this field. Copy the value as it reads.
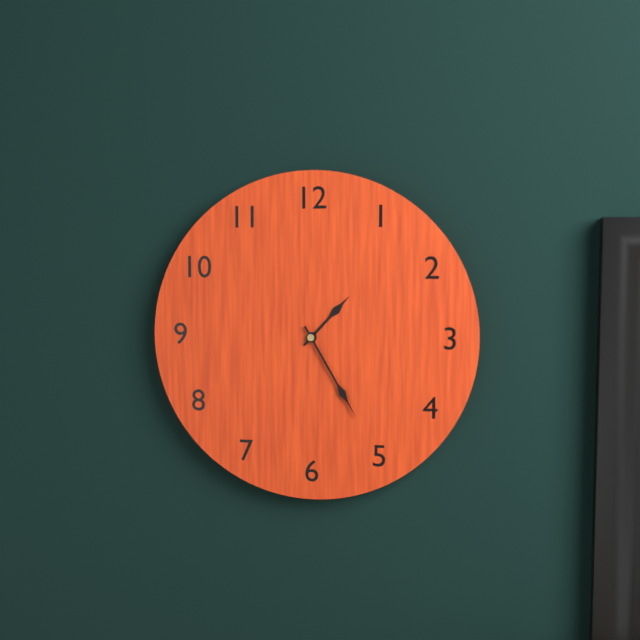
1:25
